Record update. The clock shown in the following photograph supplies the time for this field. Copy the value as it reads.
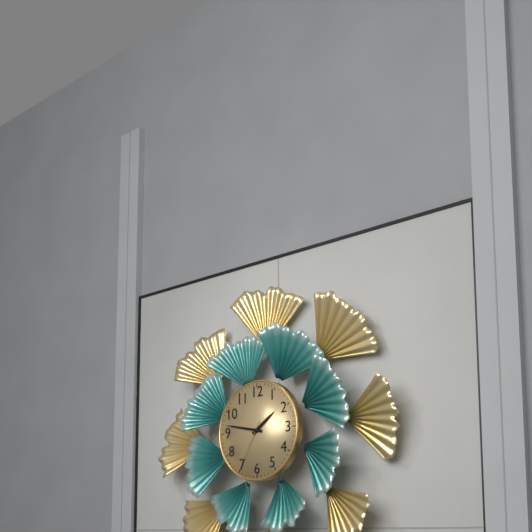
1:47:35
